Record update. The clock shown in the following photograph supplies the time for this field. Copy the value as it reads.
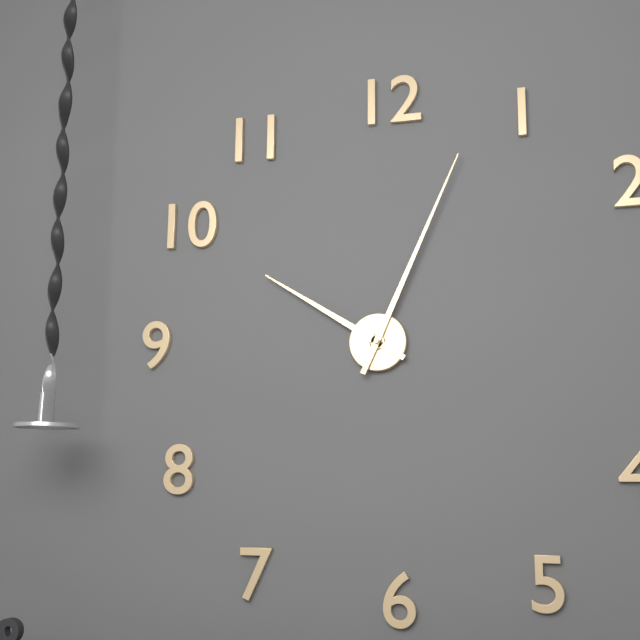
10:04
